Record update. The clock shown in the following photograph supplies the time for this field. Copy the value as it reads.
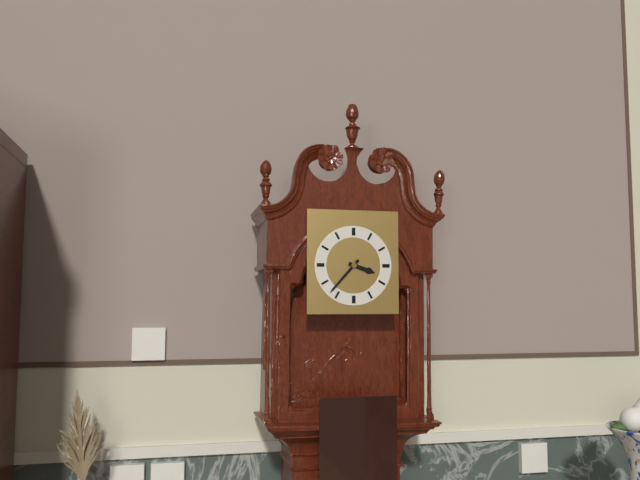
3:37
